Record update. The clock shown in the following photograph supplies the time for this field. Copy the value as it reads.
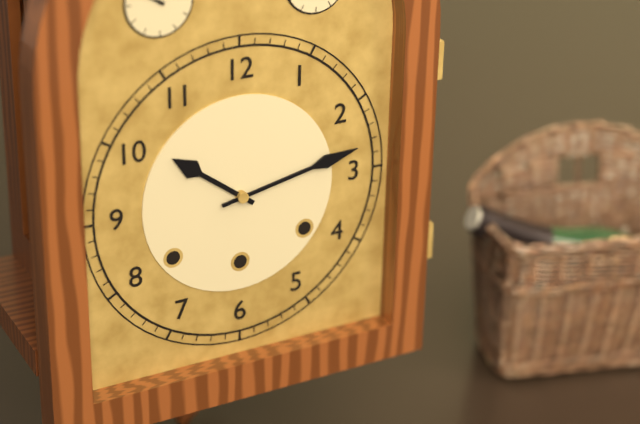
10:13
